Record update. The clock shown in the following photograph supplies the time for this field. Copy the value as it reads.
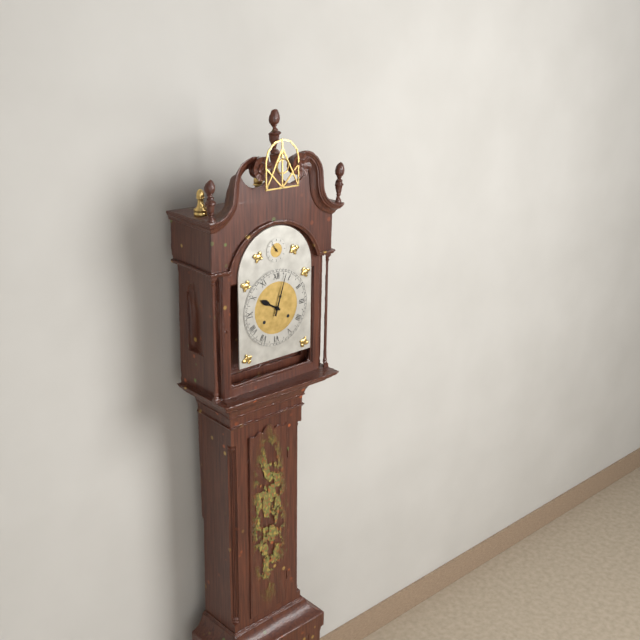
10:03
